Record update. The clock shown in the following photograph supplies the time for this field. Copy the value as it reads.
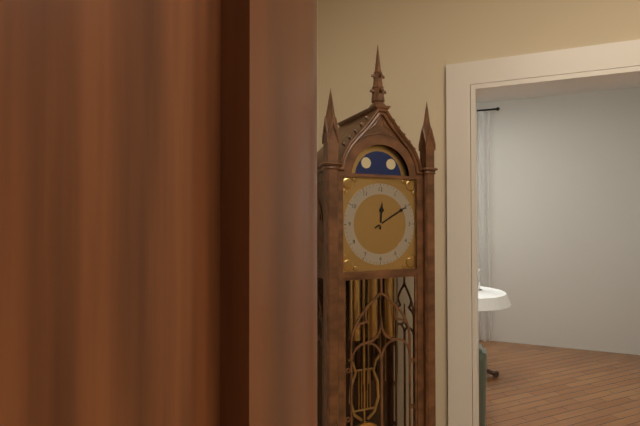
12:10
